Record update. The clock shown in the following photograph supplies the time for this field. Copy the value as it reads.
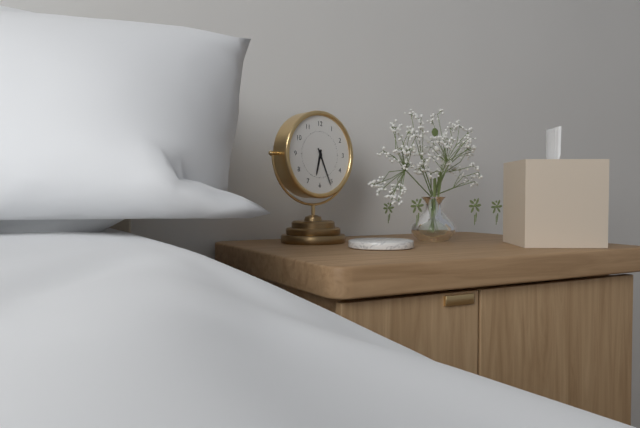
6:26
